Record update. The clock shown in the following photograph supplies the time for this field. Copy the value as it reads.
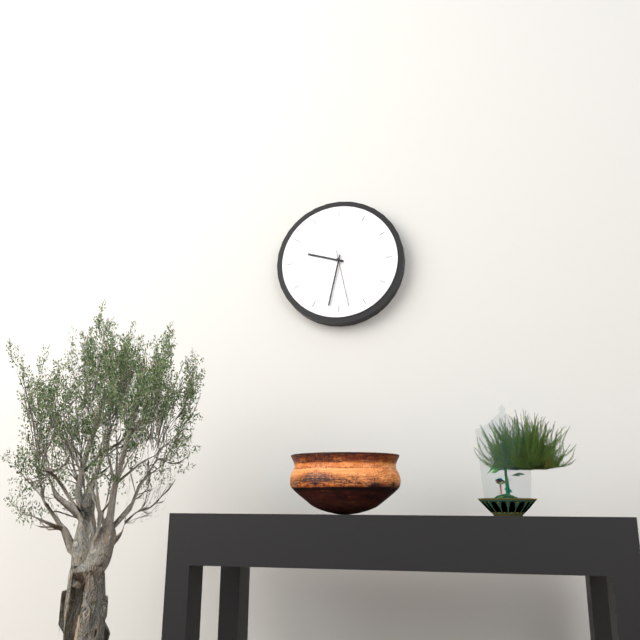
9:32:28
